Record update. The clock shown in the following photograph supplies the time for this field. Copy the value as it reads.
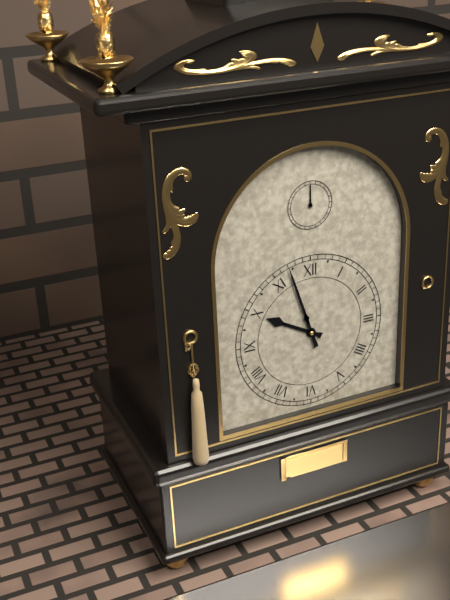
9:57
